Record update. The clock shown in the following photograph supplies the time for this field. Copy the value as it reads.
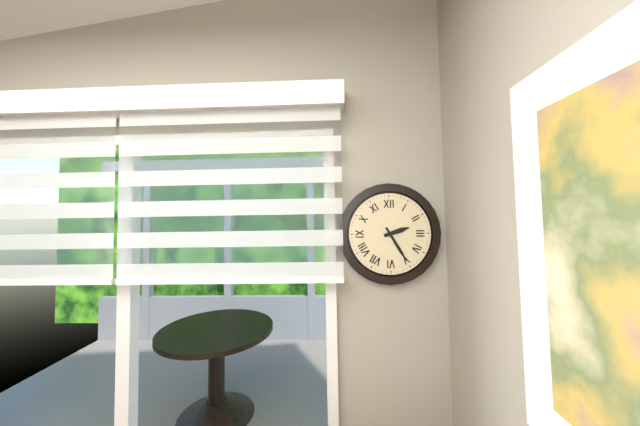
2:25
